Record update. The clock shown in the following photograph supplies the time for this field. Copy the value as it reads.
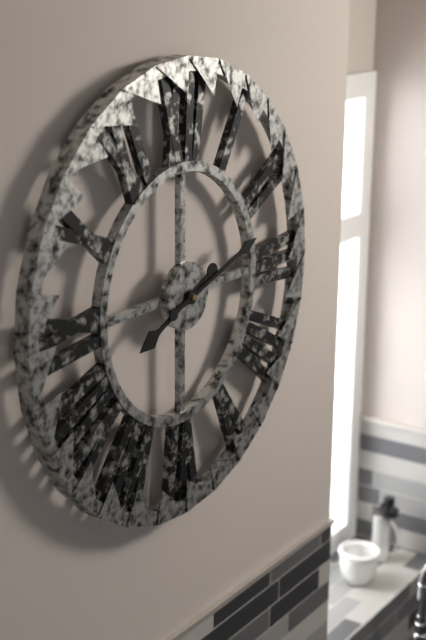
8:12
